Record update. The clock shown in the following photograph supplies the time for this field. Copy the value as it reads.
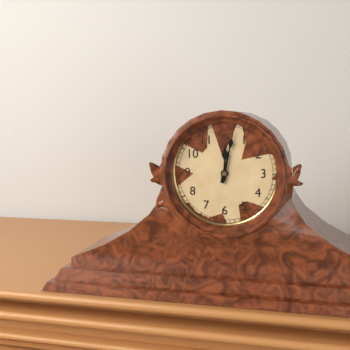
12:02
